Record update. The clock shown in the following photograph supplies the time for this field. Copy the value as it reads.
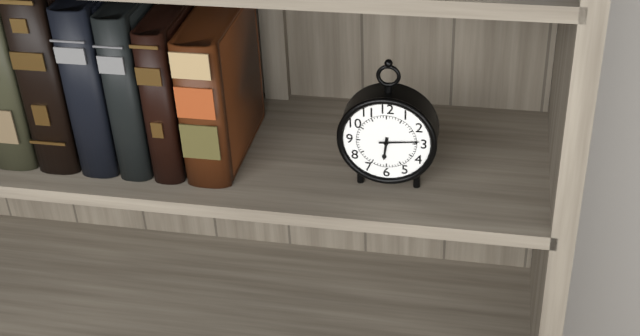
6:14
